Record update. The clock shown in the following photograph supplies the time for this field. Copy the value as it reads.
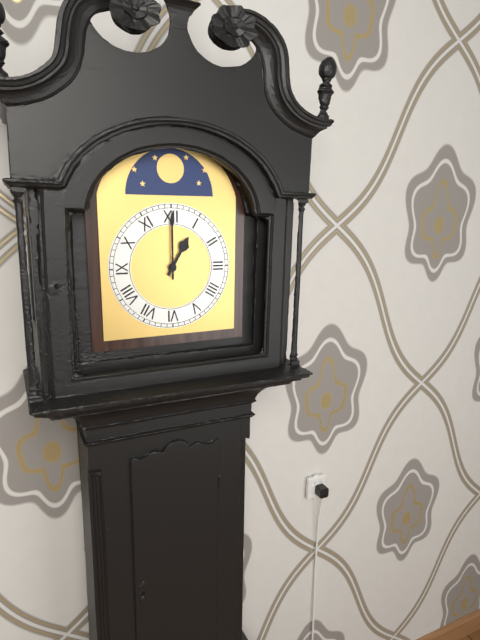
1:00
